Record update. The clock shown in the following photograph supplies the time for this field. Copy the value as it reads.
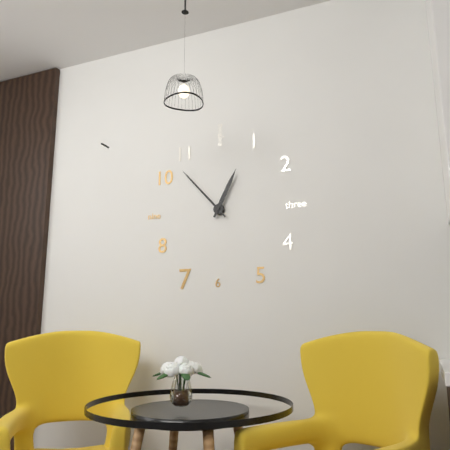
12:53
